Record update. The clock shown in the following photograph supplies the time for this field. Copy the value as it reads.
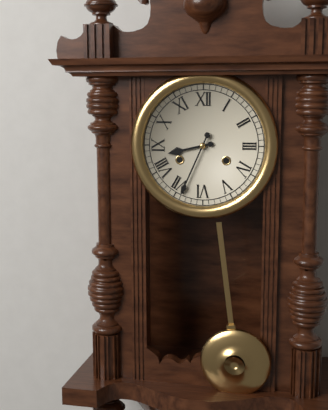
8:34
